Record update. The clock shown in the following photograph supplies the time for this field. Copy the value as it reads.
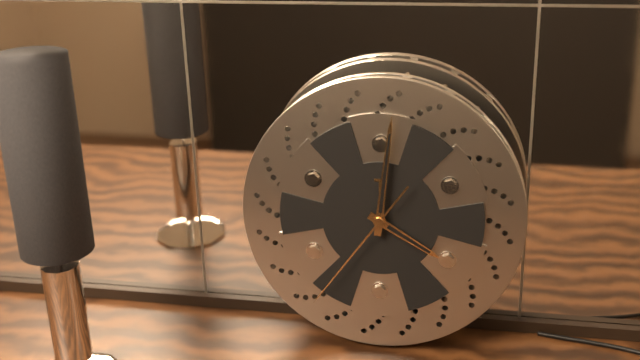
4:01:36
